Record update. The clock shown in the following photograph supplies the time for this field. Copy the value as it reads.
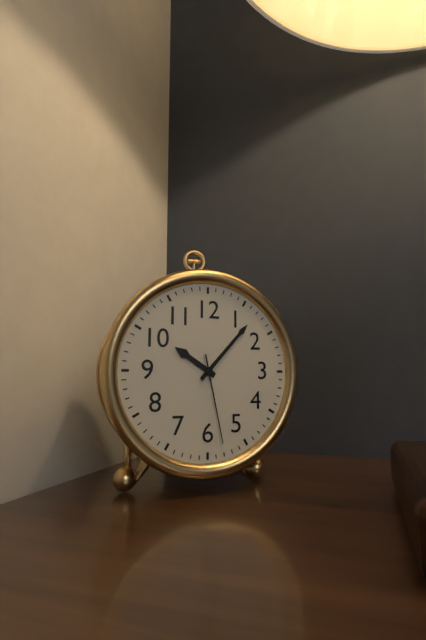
10:07:28
